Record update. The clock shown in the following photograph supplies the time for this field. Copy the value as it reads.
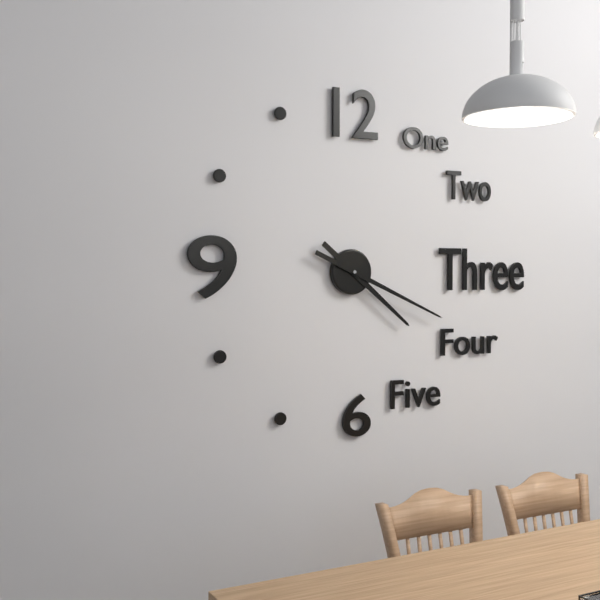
4:19
